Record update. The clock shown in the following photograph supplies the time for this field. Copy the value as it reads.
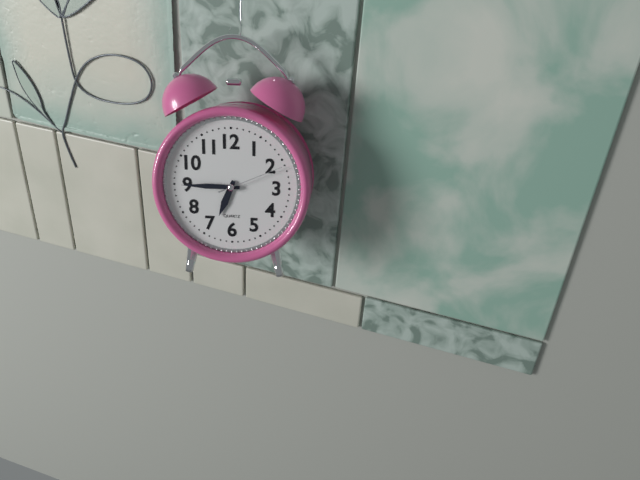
6:45:11
